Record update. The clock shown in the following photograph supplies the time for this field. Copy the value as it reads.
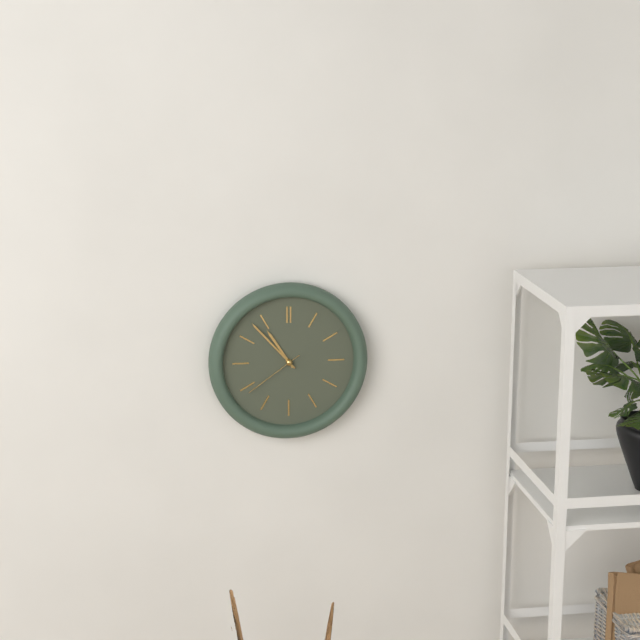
10:53:39
